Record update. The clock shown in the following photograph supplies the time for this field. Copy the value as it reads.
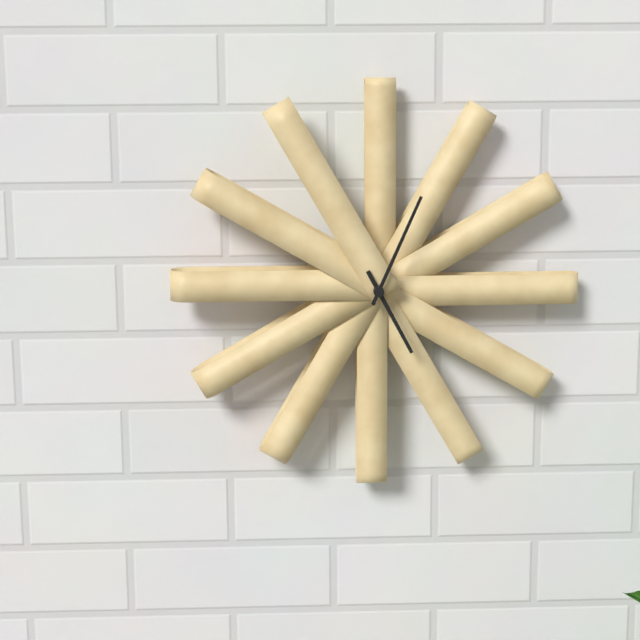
5:04
